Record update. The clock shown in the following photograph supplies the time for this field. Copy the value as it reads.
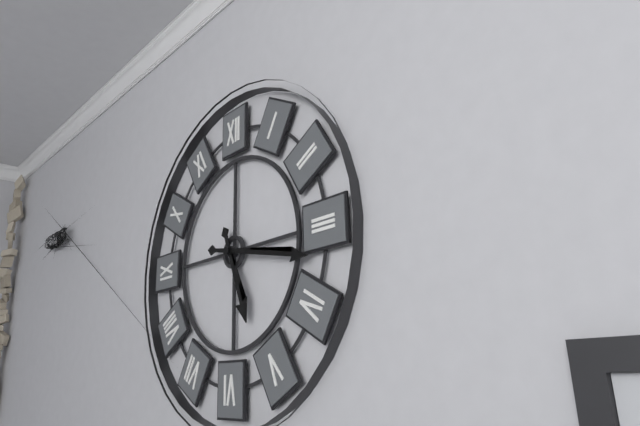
5:17
